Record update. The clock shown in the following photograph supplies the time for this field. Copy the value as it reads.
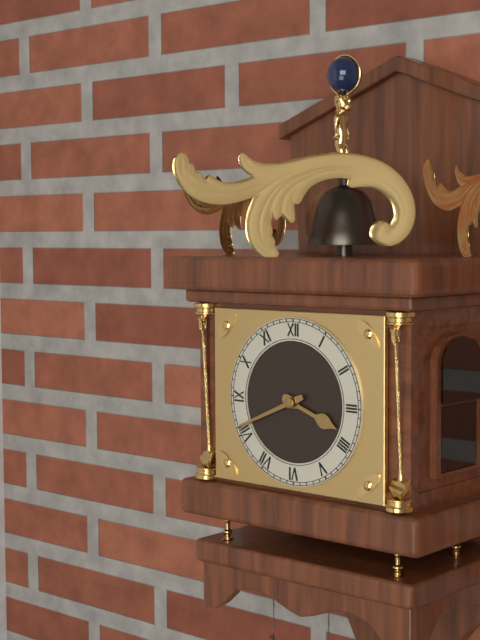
3:41
